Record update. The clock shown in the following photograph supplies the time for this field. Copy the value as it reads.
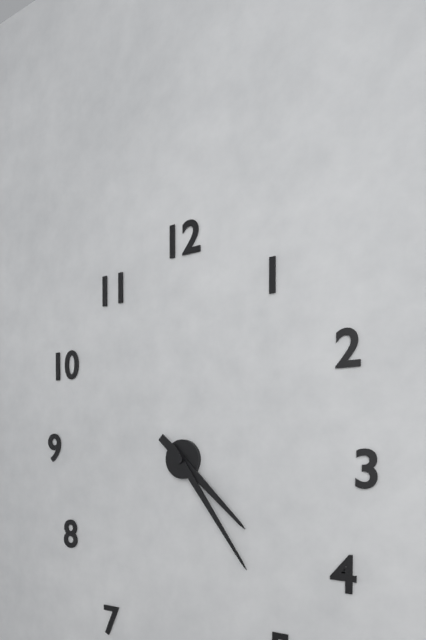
4:24
